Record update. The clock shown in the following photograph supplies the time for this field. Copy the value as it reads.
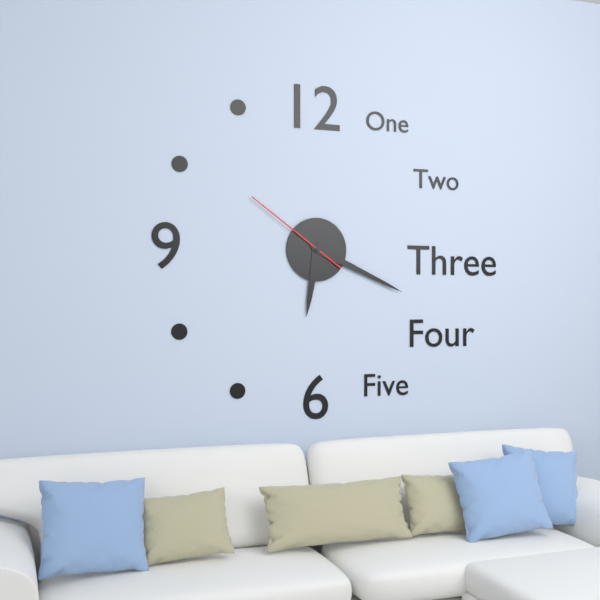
6:19:51
